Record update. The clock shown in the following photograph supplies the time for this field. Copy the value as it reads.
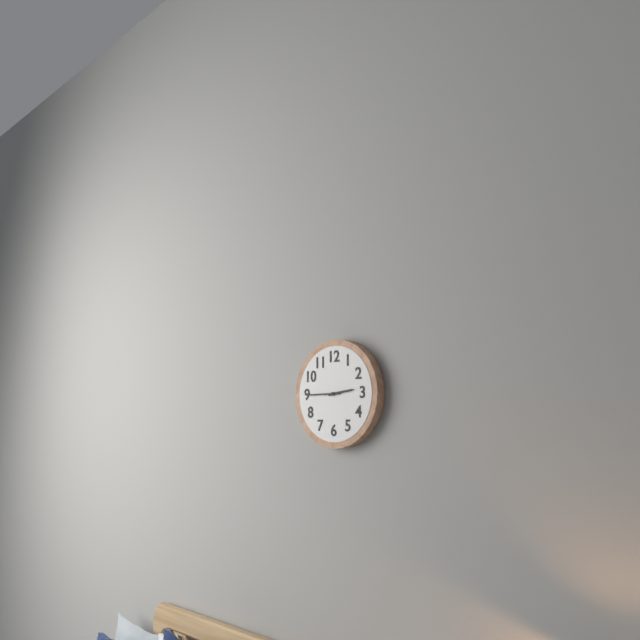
2:45
